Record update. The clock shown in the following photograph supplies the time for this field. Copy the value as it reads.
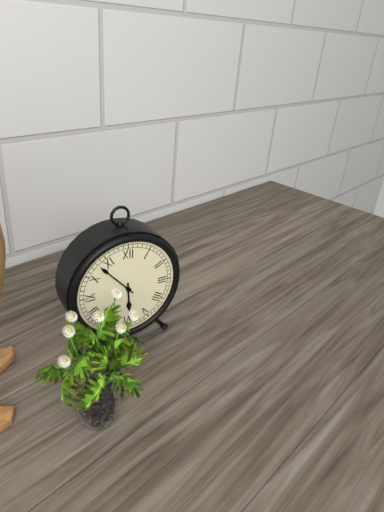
5:53
